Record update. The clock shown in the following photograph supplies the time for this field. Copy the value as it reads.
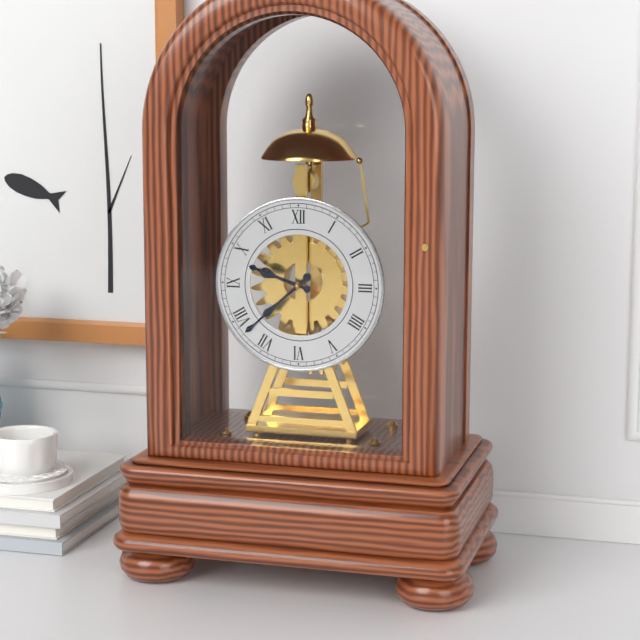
9:38
